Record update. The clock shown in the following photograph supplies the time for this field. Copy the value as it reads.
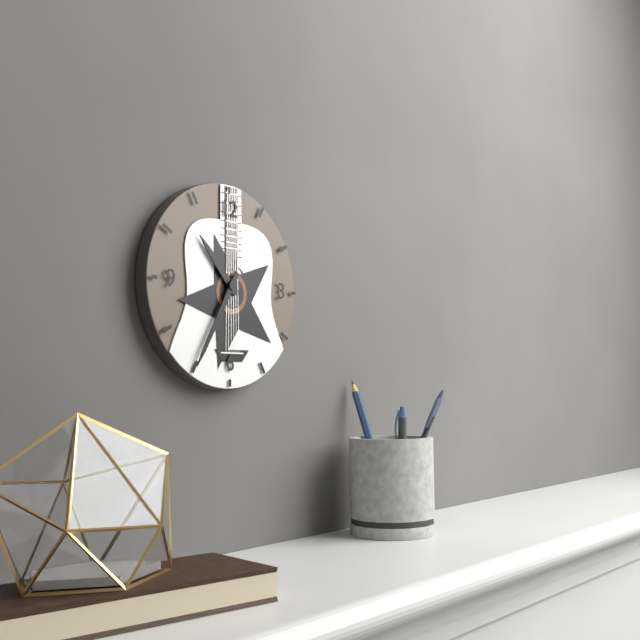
10:35
